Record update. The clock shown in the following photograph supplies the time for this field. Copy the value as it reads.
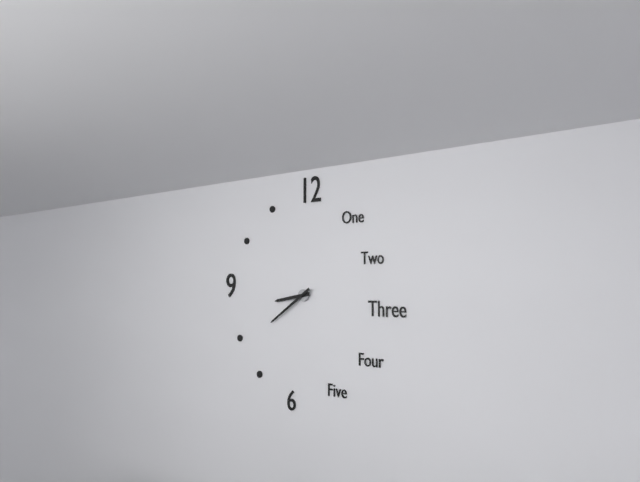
8:39
